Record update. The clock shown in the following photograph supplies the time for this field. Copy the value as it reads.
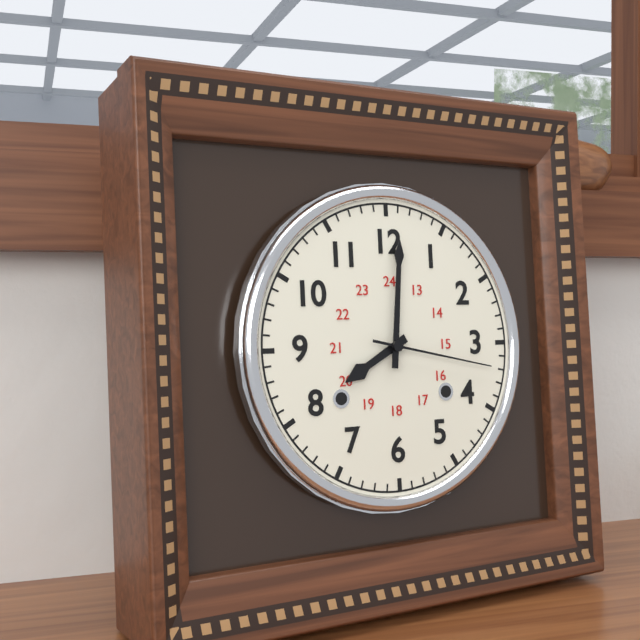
8:01:17
